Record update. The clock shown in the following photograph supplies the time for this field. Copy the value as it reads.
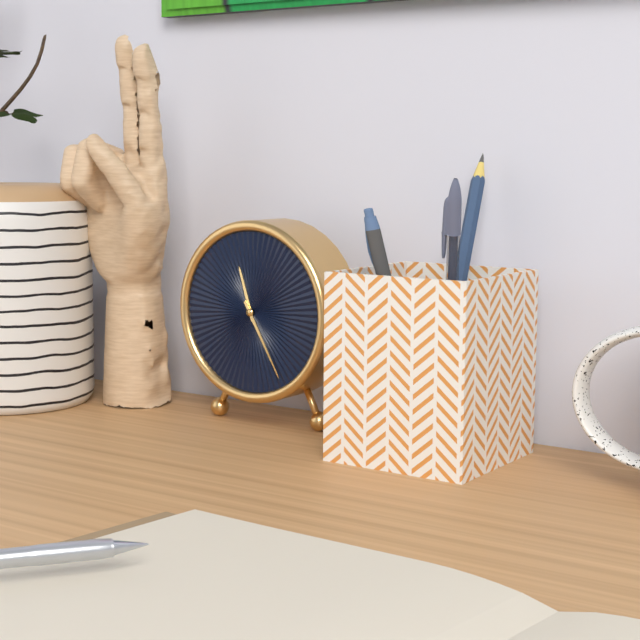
11:25
